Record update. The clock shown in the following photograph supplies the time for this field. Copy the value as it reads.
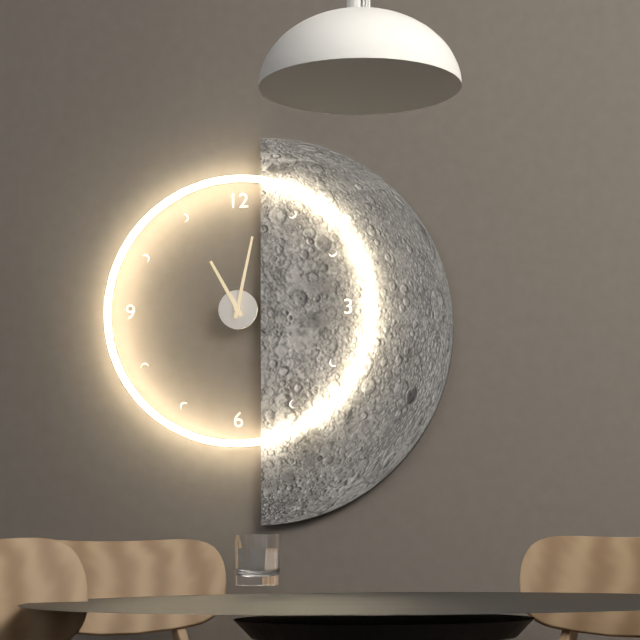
11:02
